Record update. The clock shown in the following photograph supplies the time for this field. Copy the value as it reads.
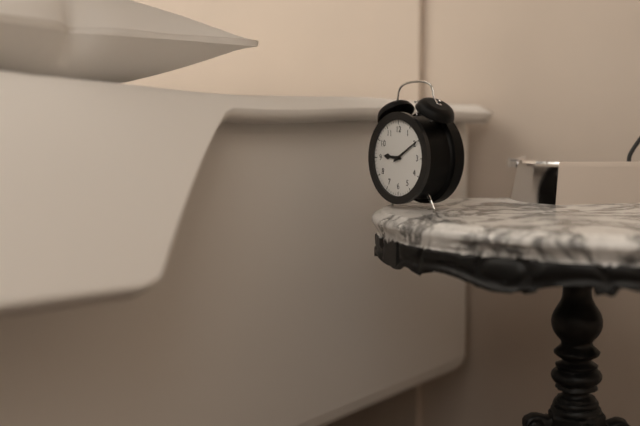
9:10
